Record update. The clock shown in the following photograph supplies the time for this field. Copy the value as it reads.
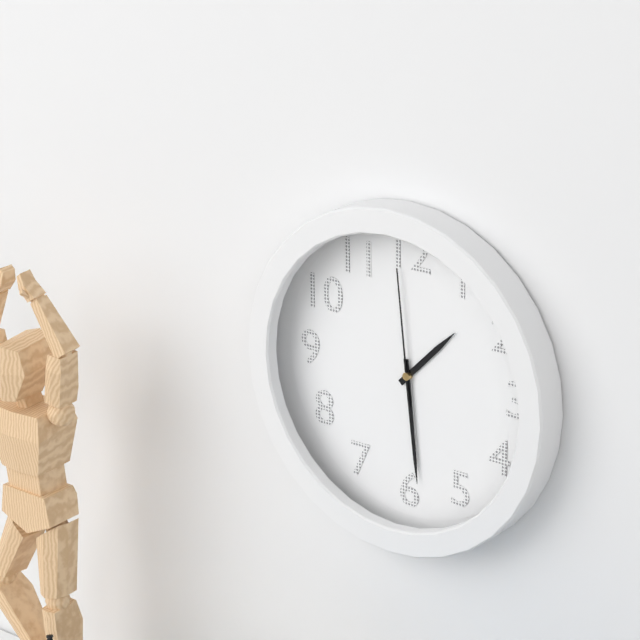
1:29:59
